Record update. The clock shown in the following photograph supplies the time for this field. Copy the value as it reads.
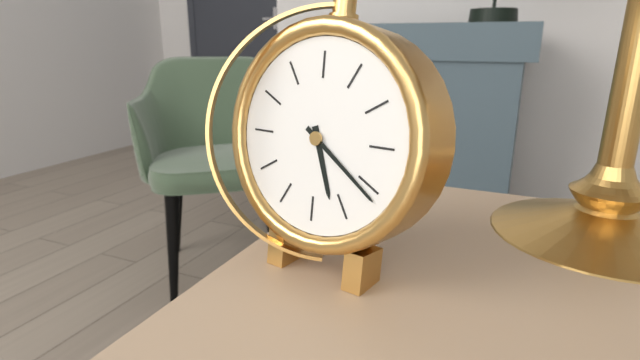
5:21
